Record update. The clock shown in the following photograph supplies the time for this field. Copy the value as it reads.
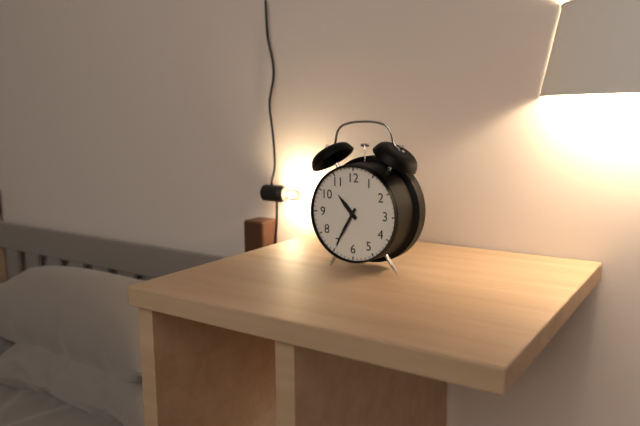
10:35
